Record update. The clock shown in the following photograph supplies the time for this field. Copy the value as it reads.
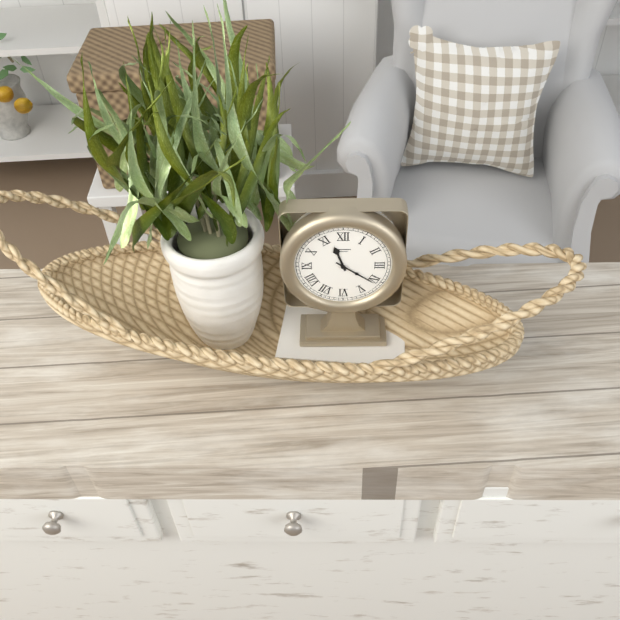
11:21
